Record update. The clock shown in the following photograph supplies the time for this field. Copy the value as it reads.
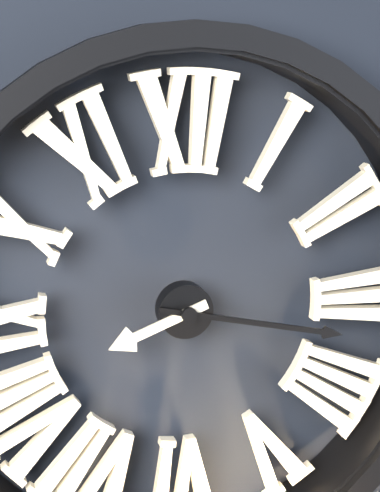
8:17
